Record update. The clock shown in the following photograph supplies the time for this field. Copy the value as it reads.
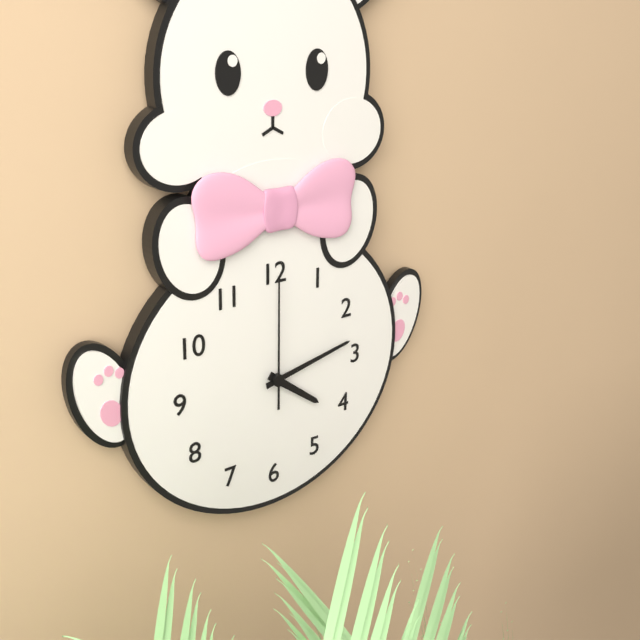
4:13:00
